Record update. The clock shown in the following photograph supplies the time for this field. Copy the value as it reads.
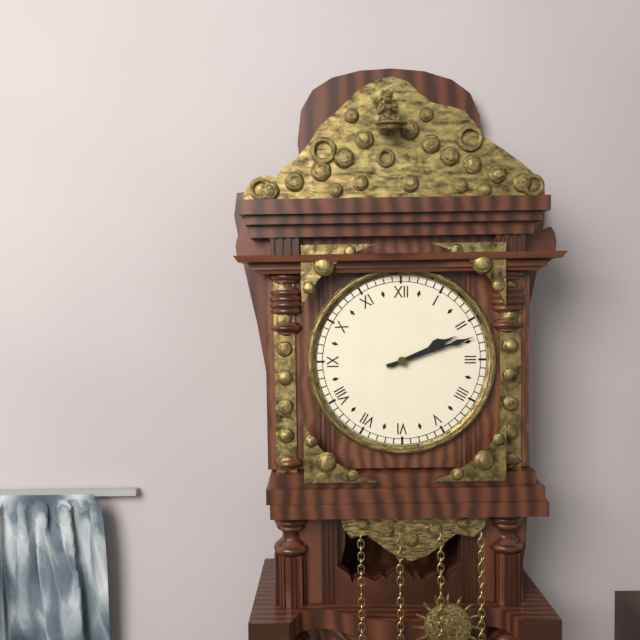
2:12
